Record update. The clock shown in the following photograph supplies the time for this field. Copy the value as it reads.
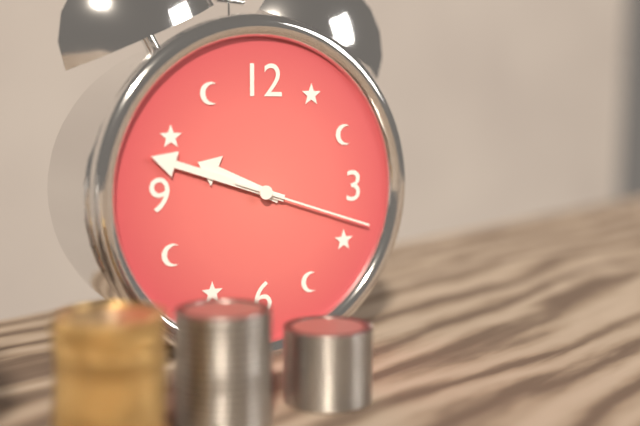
9:48:18
